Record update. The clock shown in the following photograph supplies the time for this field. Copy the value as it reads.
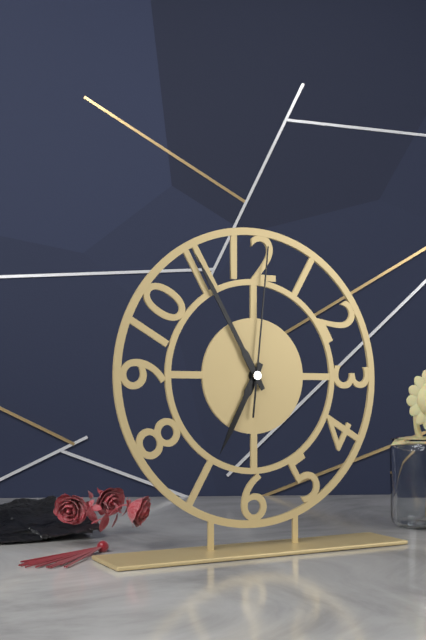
6:55:01
